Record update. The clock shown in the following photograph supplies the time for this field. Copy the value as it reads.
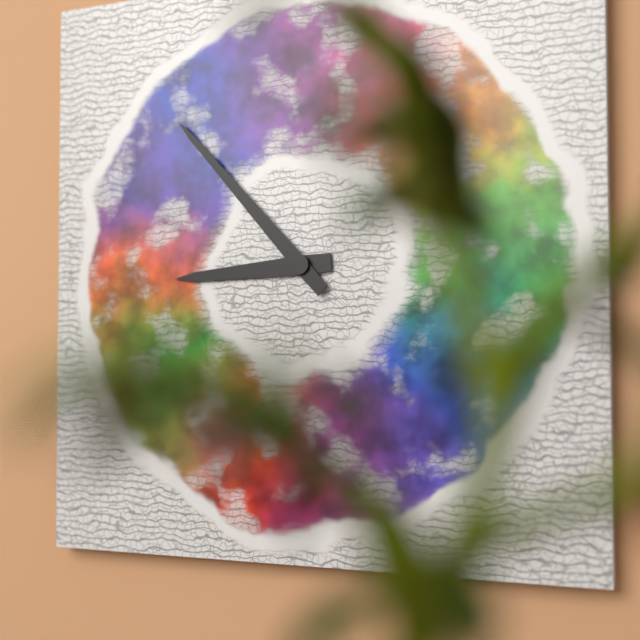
8:53
